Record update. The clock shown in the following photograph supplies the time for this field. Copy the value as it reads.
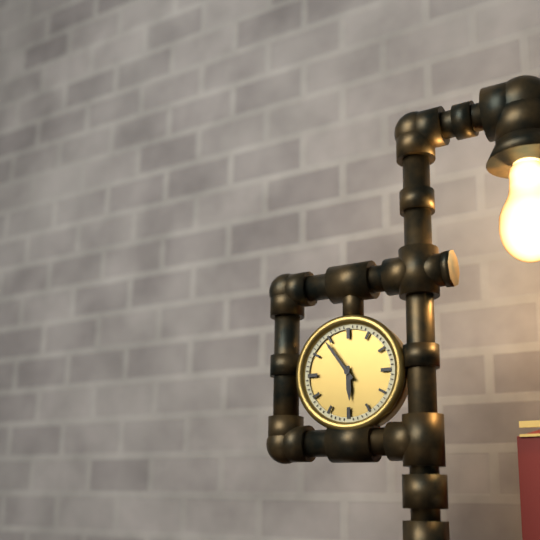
5:54
